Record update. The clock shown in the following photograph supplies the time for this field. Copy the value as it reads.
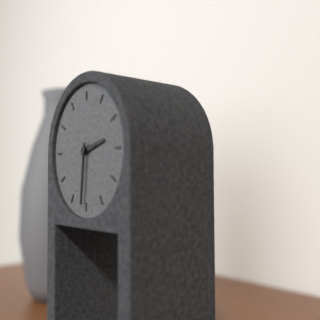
2:31
